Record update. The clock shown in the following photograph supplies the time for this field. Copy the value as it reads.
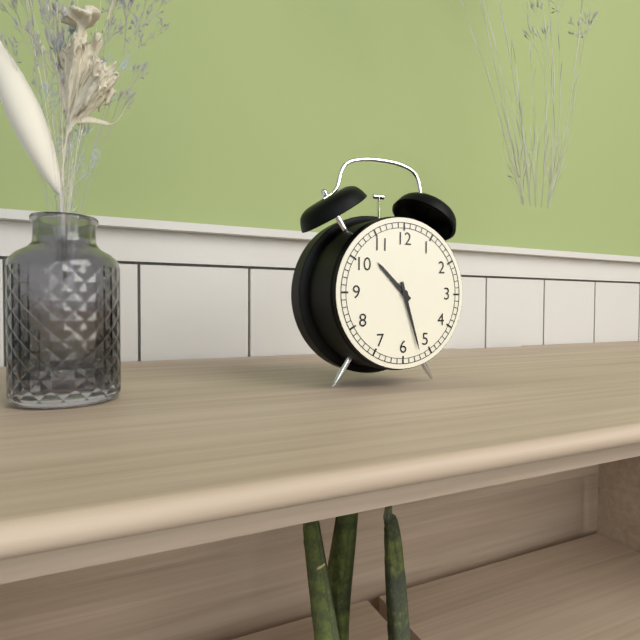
10:27
